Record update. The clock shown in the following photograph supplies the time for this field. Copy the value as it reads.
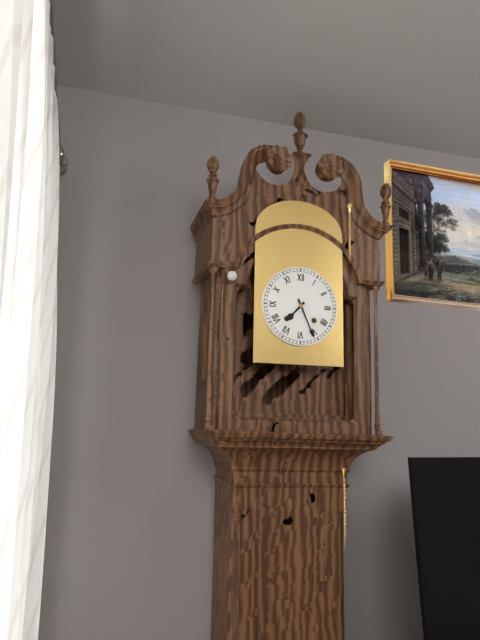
7:26
